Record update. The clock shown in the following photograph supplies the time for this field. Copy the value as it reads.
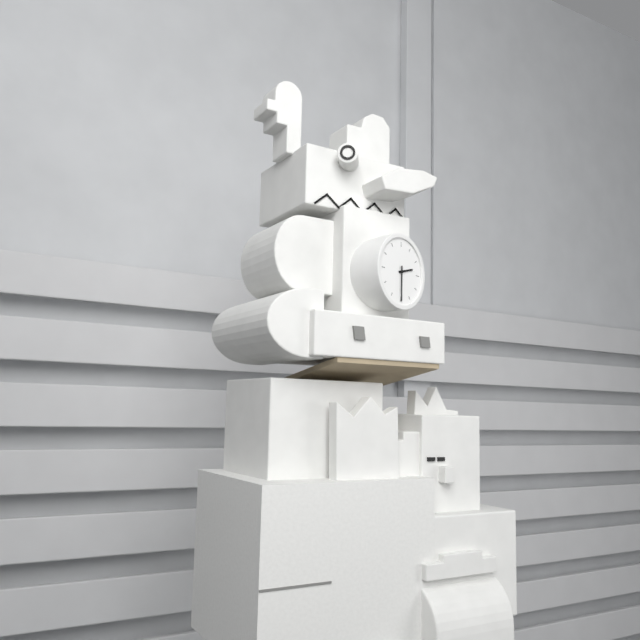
2:30
